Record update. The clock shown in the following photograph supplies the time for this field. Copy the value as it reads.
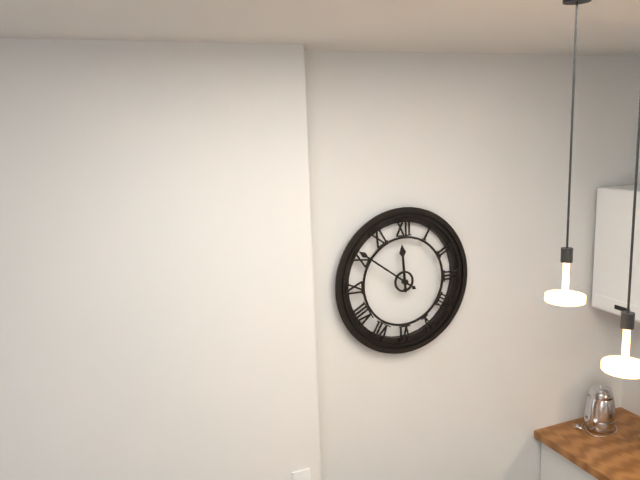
11:51
